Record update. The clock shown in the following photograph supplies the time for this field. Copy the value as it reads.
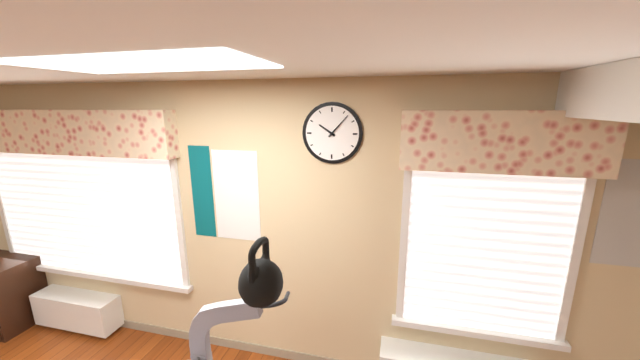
10:07
